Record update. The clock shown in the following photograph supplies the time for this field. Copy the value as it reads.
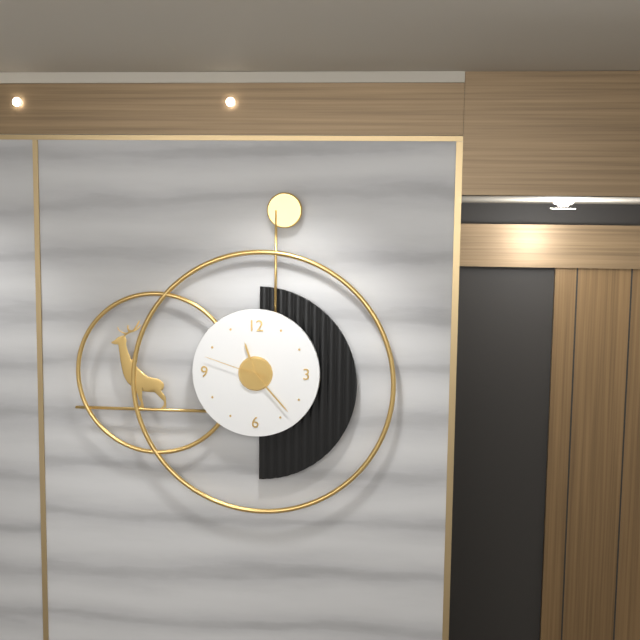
11:23:48
